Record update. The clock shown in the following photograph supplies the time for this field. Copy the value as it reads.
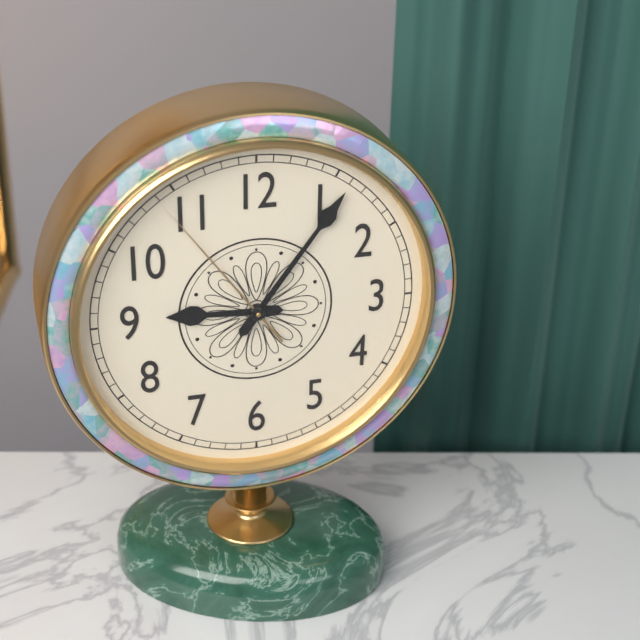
9:06:54
